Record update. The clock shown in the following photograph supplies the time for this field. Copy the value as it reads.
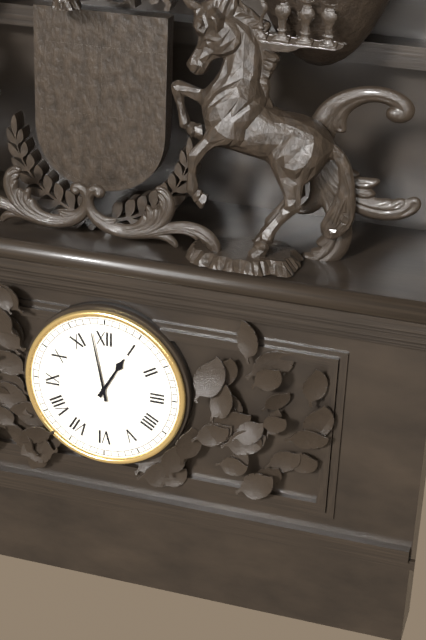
12:58
